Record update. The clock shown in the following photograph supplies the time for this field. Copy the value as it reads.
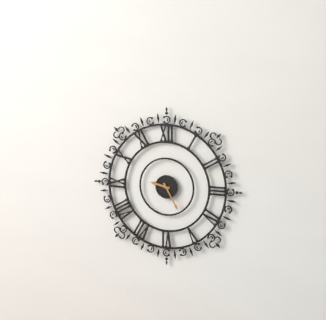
9:25
